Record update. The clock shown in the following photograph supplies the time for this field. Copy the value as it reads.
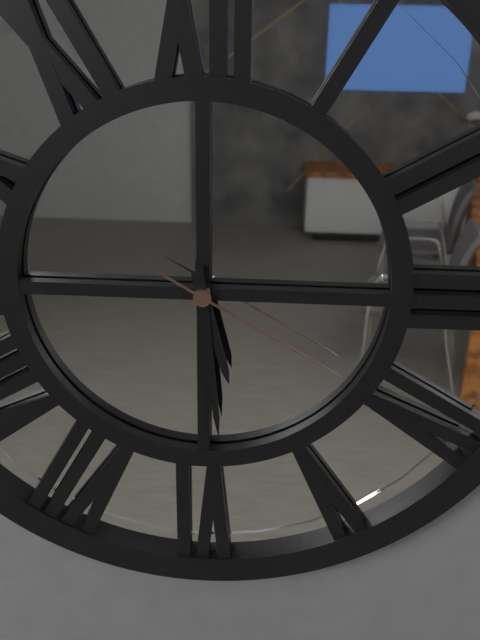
5:29:20
